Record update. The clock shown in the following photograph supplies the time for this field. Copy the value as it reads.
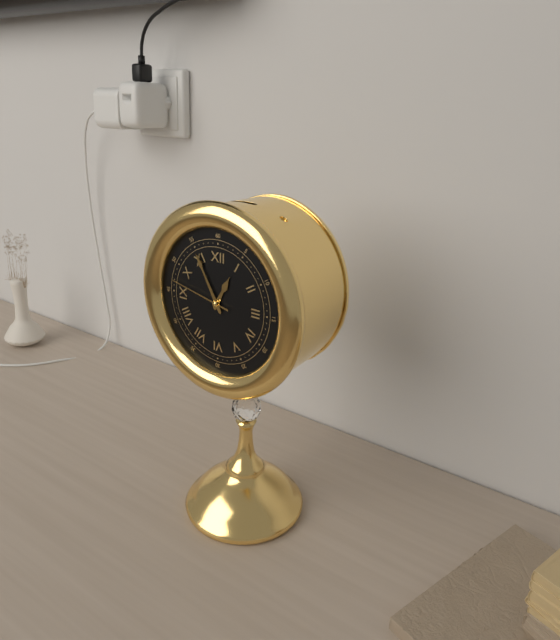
12:55:47
